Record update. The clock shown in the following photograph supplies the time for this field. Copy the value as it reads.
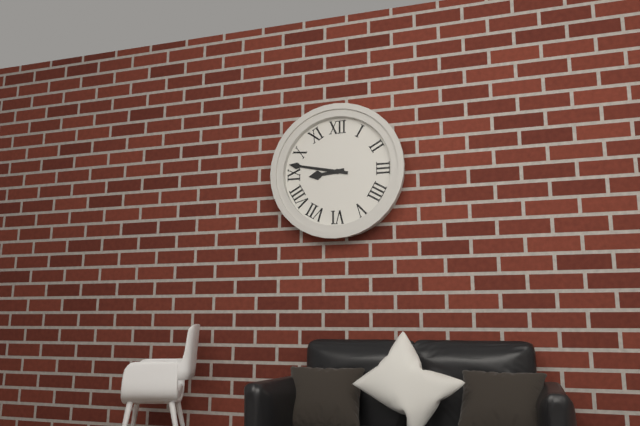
8:47
